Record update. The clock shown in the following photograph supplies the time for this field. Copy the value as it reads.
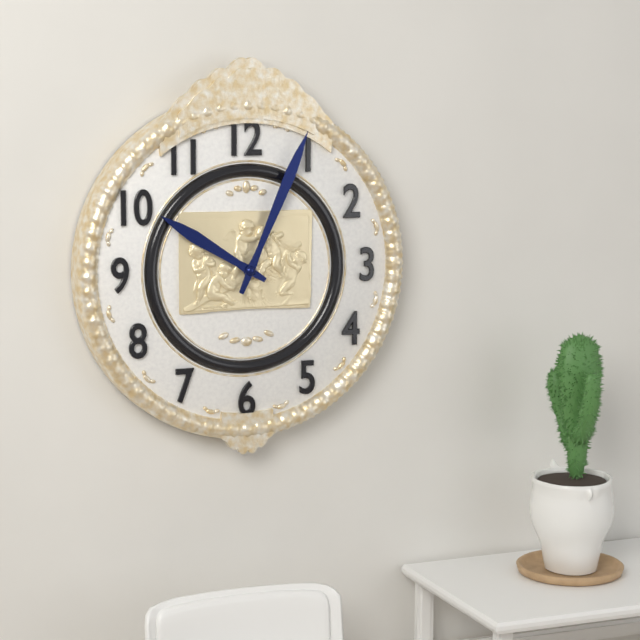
10:04
